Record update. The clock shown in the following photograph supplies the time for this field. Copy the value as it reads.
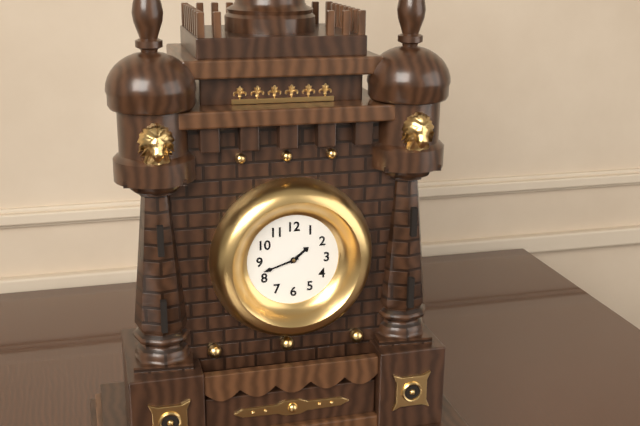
1:42
